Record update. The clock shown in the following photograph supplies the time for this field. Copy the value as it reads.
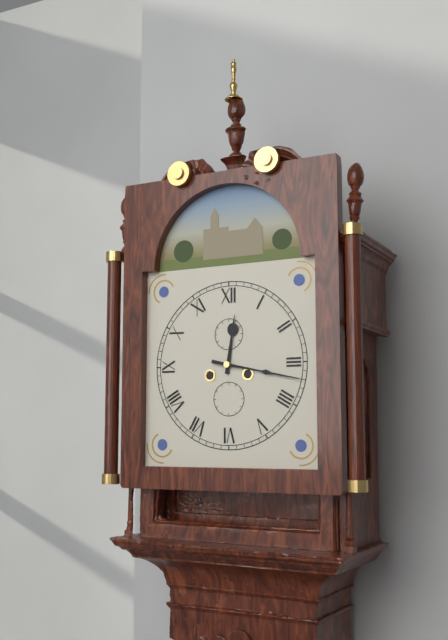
12:17
